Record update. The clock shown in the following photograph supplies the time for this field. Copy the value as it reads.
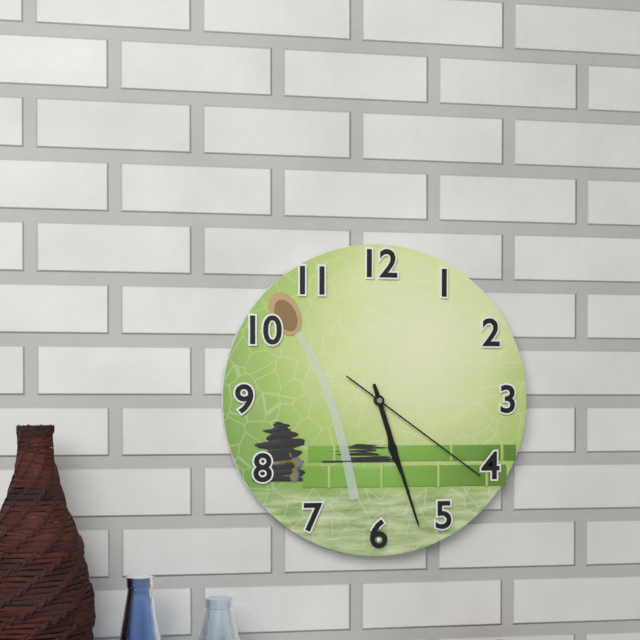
5:27:21
